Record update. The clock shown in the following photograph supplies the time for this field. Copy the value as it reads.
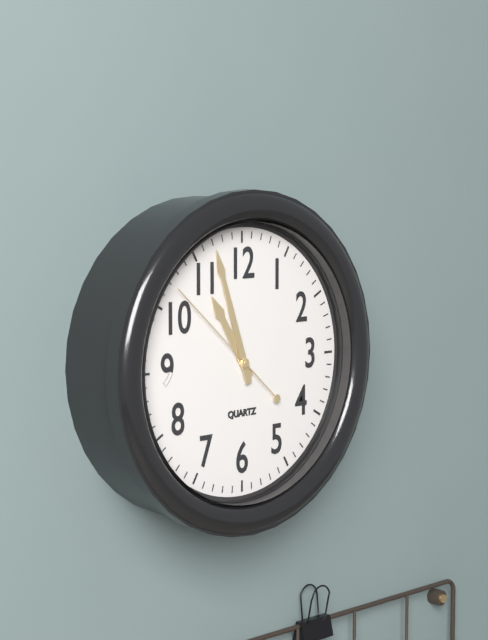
10:57:52
